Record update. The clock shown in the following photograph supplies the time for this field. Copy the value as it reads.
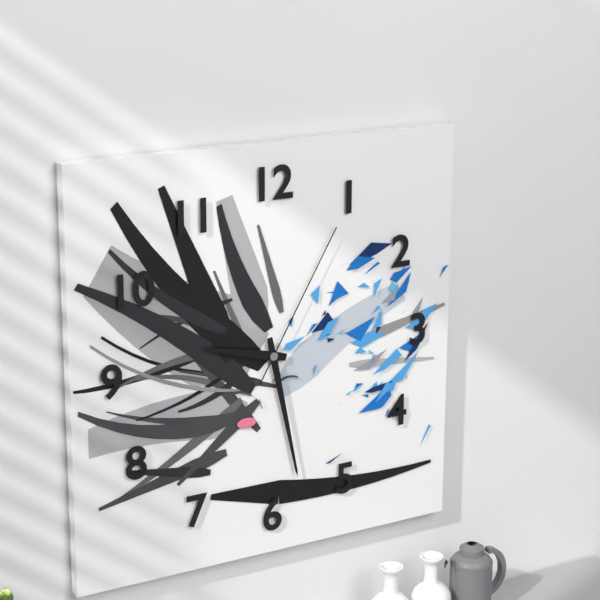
9:28:05
